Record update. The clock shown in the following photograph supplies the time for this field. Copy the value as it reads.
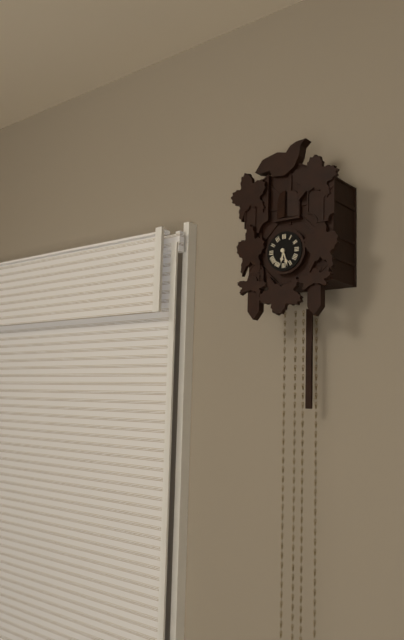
6:27
